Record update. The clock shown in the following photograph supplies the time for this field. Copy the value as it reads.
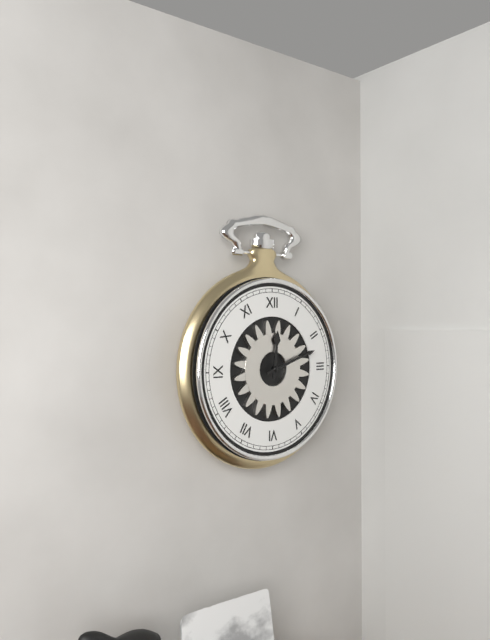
12:12
